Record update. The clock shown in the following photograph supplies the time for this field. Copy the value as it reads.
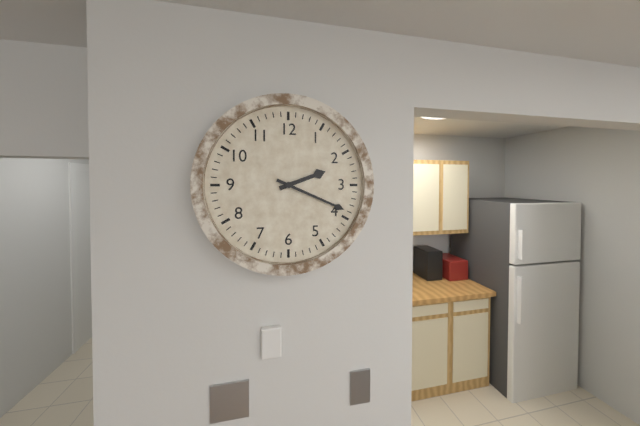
2:19
